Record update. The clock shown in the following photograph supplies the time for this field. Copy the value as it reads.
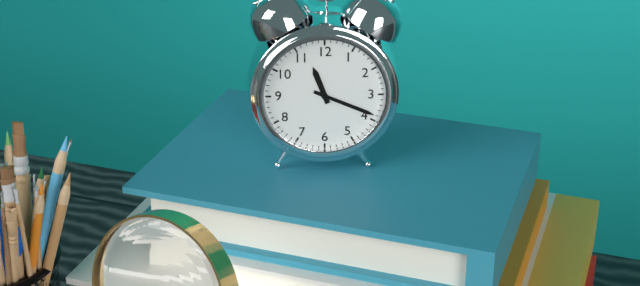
11:19
